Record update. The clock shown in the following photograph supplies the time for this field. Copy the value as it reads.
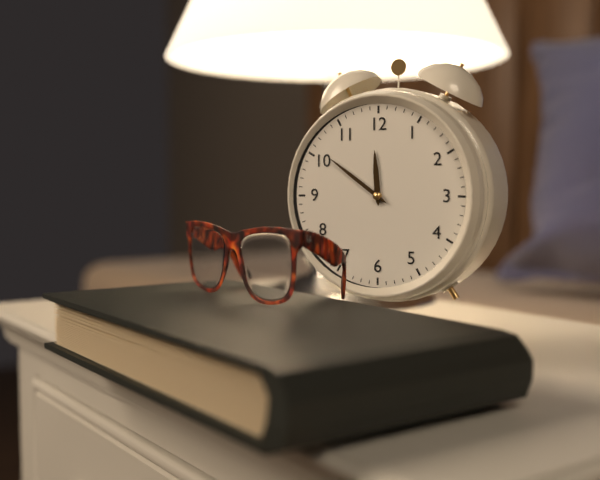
11:51
